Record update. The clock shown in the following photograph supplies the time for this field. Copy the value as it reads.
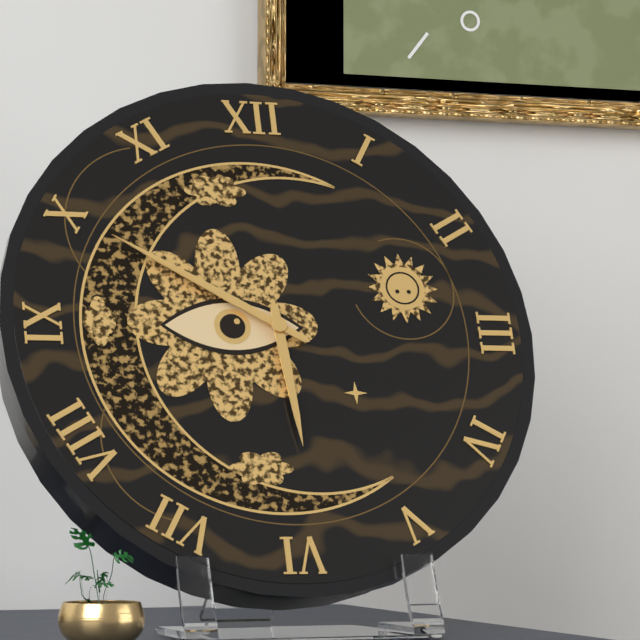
5:50
